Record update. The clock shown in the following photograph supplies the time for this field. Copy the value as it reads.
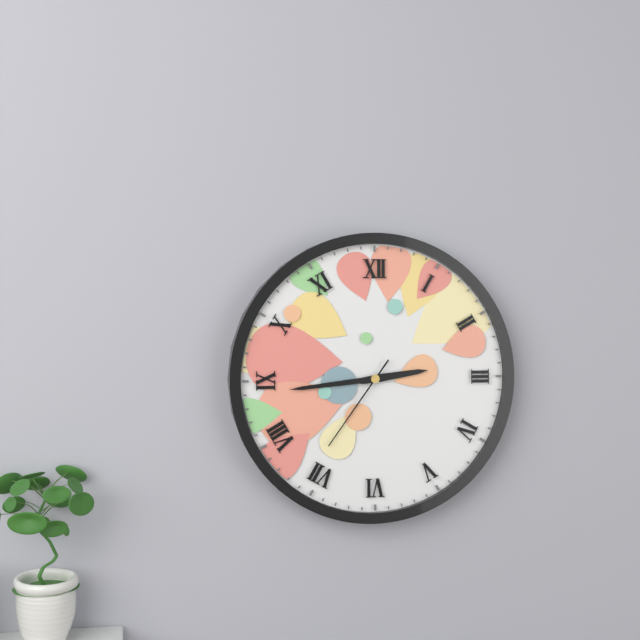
2:44:36
